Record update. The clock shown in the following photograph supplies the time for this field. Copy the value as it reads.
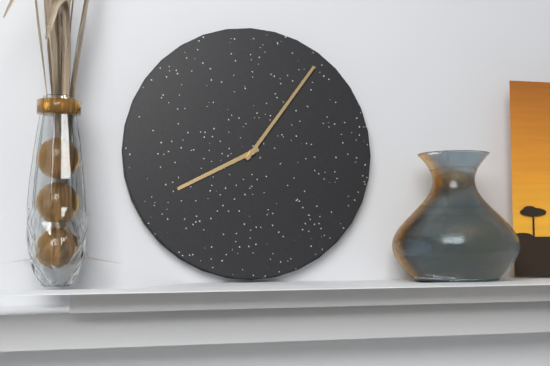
8:06
